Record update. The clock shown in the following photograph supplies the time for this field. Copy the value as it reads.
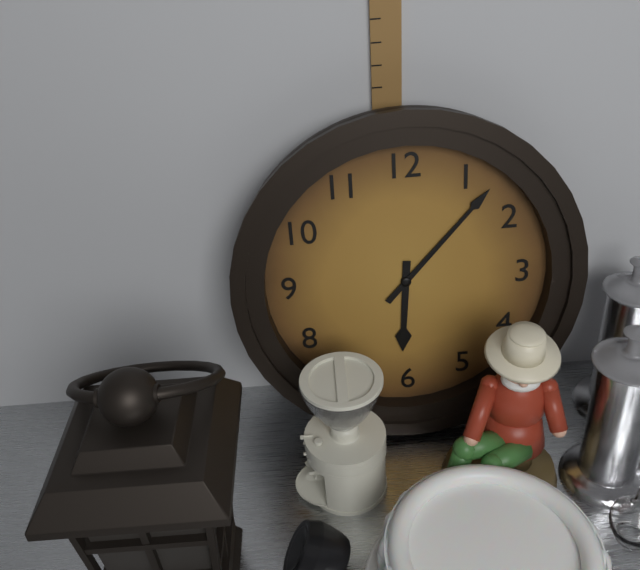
6:07
